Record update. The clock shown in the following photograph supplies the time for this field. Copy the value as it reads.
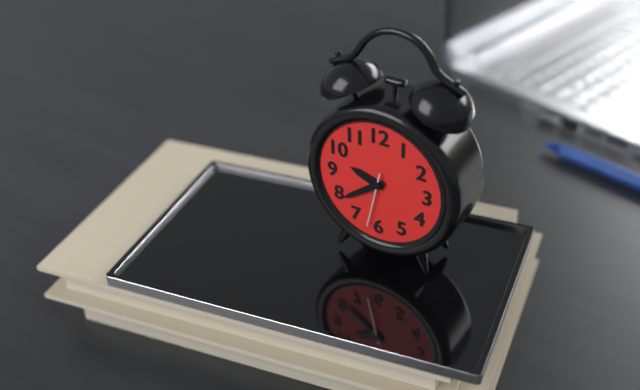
9:39:32
